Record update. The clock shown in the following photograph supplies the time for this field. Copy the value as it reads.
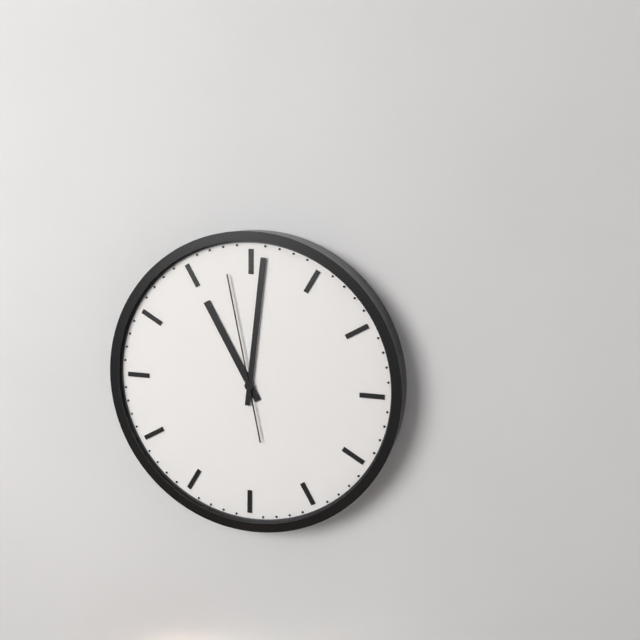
11:01:58
